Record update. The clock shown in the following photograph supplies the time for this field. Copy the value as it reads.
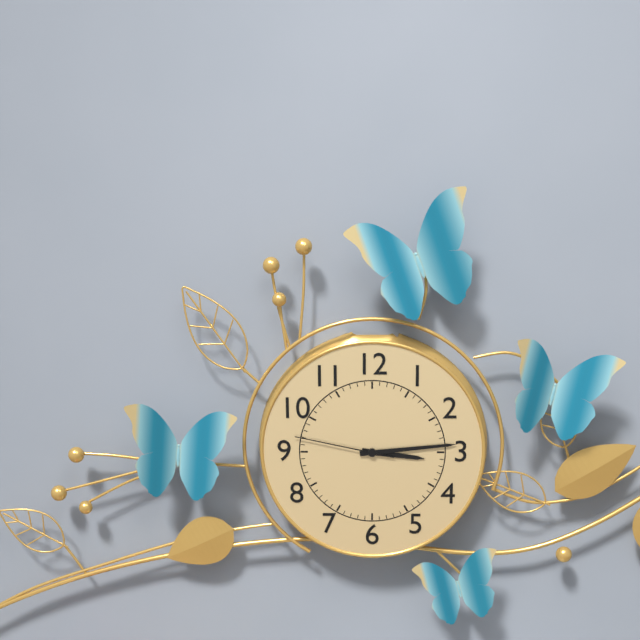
3:14:47
